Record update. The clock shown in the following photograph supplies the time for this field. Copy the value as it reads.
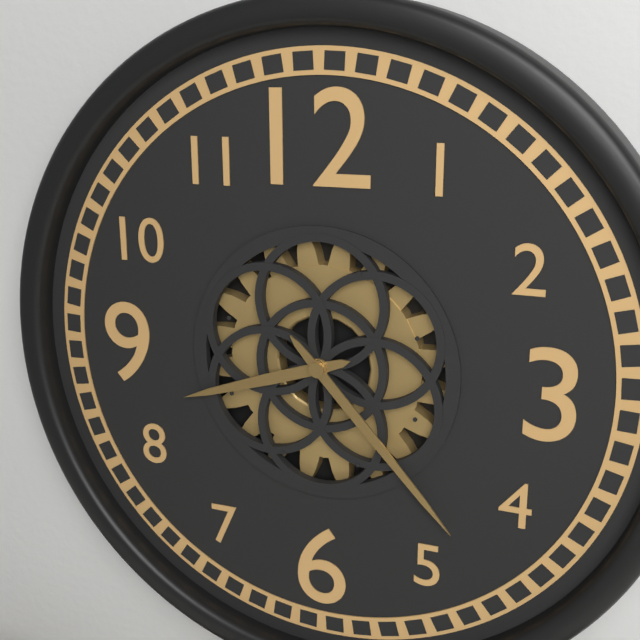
8:23
